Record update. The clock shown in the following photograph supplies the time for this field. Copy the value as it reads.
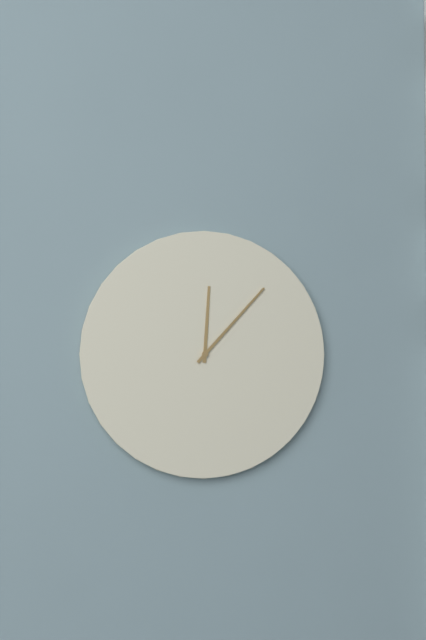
12:07
